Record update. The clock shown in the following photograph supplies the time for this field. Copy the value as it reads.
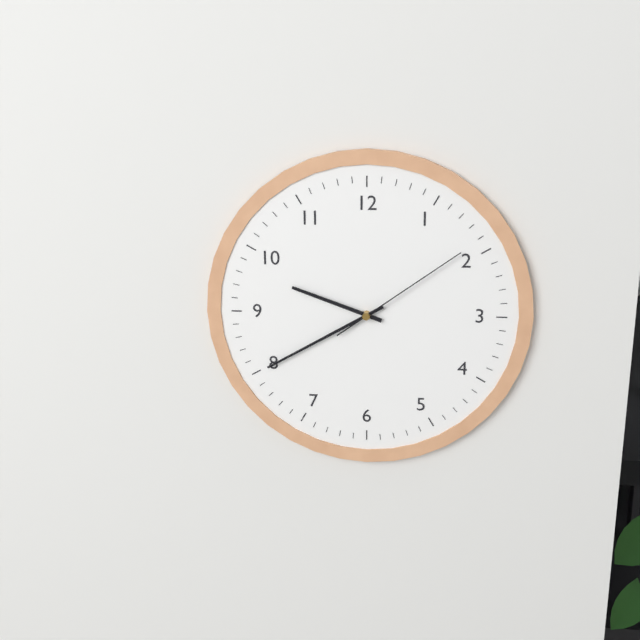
9:40:09
